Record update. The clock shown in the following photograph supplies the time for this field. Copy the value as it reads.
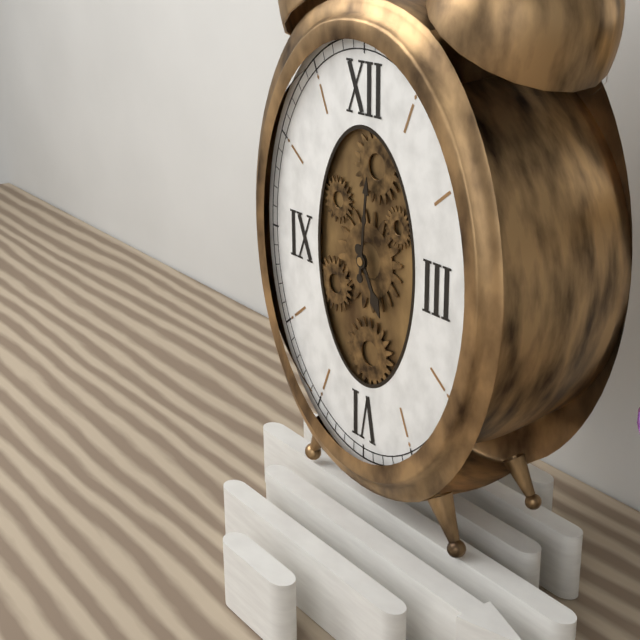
5:01
